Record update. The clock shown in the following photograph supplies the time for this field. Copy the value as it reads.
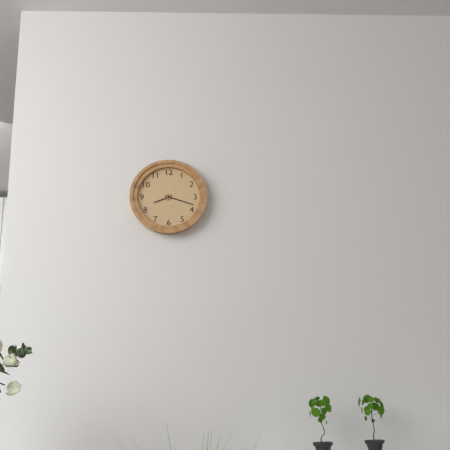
8:18
